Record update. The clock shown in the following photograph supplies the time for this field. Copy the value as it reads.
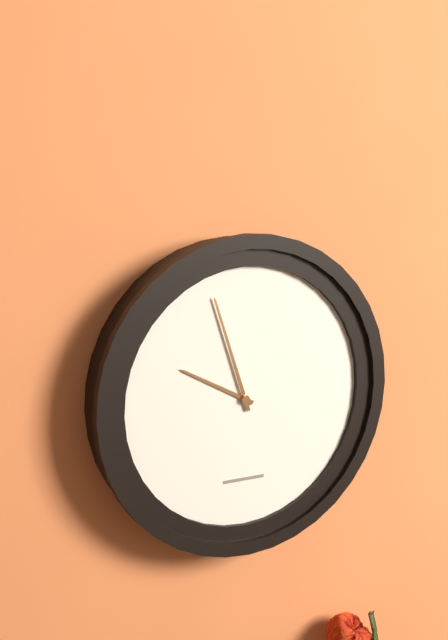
9:57
